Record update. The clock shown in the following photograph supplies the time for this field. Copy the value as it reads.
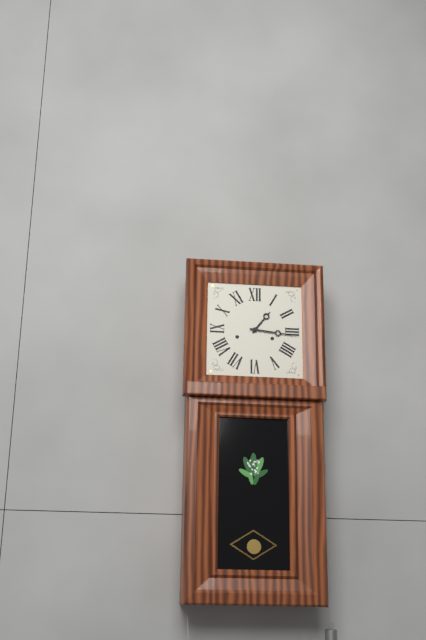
1:16
